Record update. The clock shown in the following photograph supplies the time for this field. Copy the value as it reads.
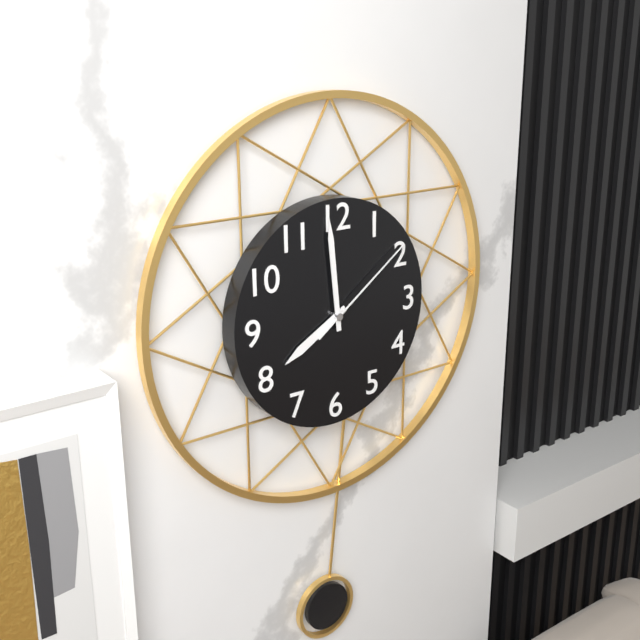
7:59:09
